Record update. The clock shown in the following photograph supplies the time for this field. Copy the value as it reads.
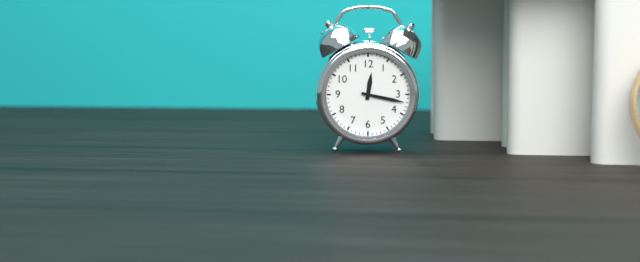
12:17
